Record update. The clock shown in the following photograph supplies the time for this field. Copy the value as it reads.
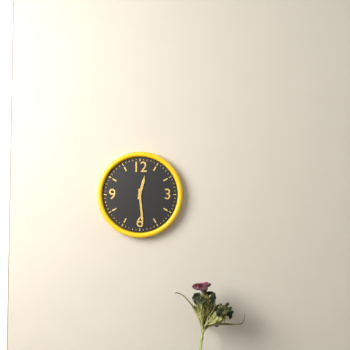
12:29
